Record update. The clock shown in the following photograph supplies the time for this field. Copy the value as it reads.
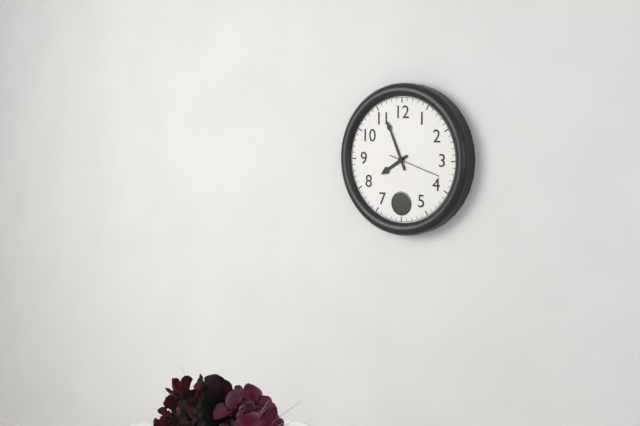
7:56:18
